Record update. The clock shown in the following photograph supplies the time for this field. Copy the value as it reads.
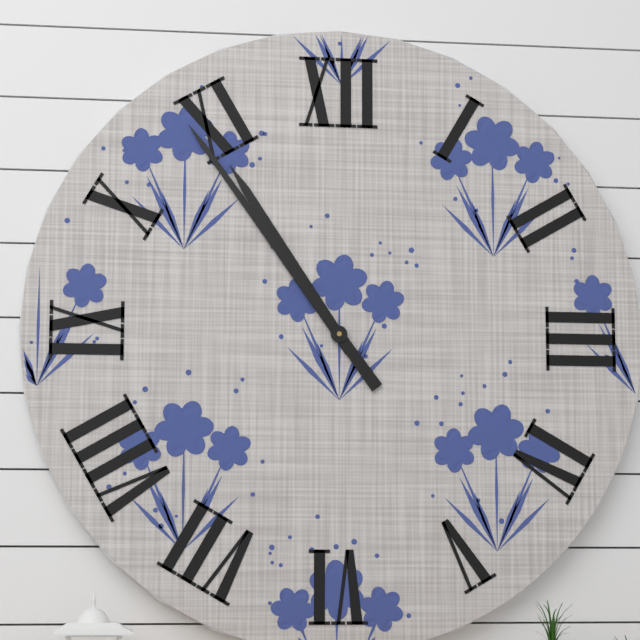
10:54
